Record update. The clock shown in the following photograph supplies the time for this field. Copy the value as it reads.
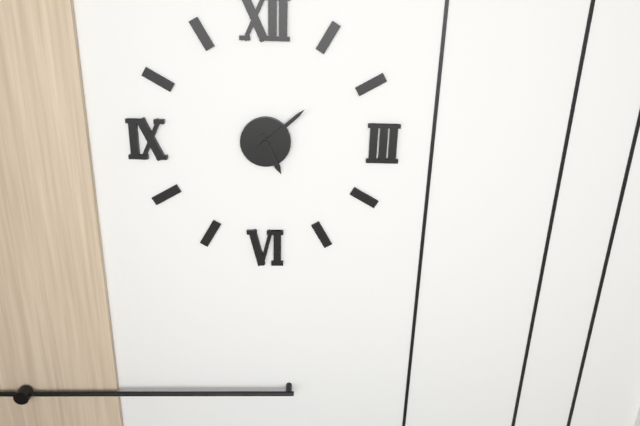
5:08
